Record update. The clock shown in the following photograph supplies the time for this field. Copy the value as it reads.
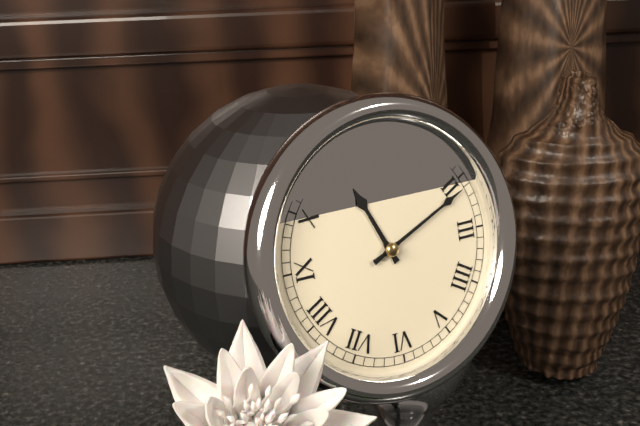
11:11
